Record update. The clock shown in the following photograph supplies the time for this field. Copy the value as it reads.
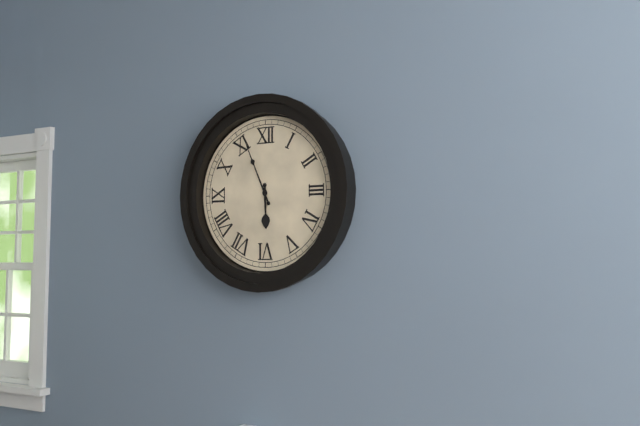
5:56
